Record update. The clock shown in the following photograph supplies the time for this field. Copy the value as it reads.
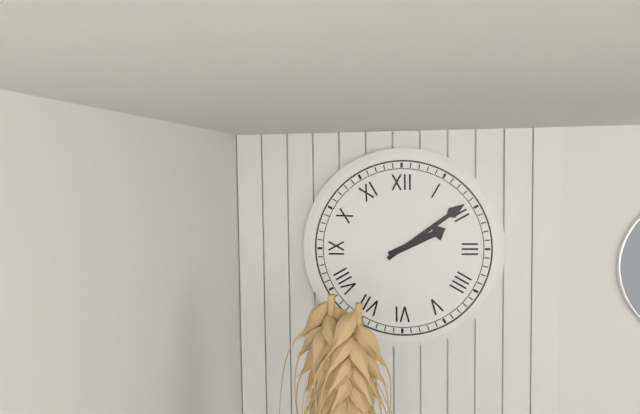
2:09
